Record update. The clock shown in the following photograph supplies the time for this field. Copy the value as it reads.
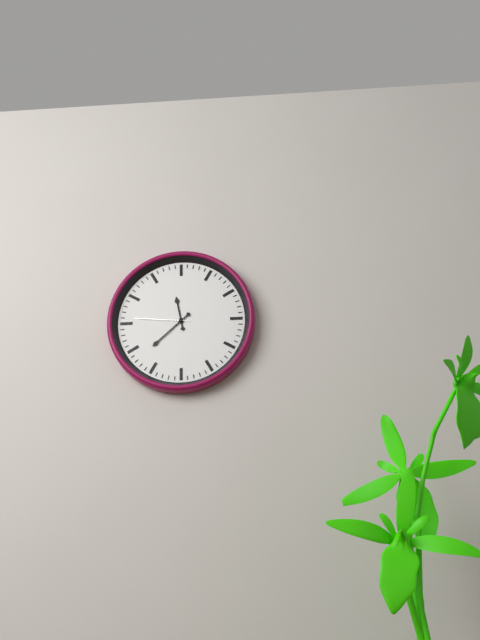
11:38:46
